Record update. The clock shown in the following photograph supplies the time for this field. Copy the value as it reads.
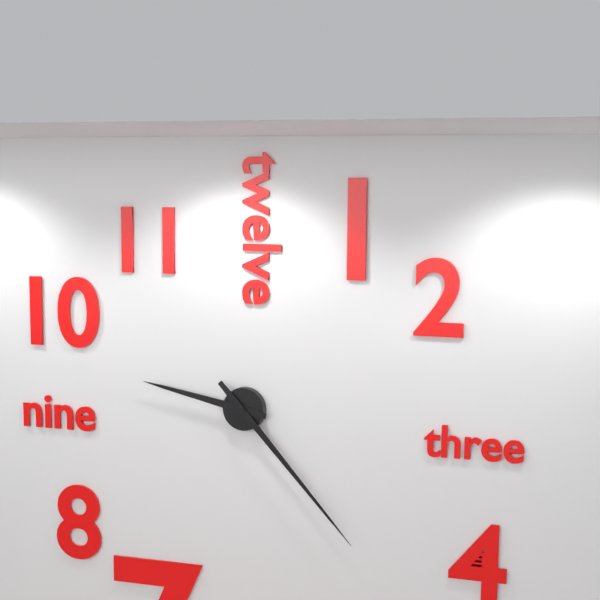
9:23
